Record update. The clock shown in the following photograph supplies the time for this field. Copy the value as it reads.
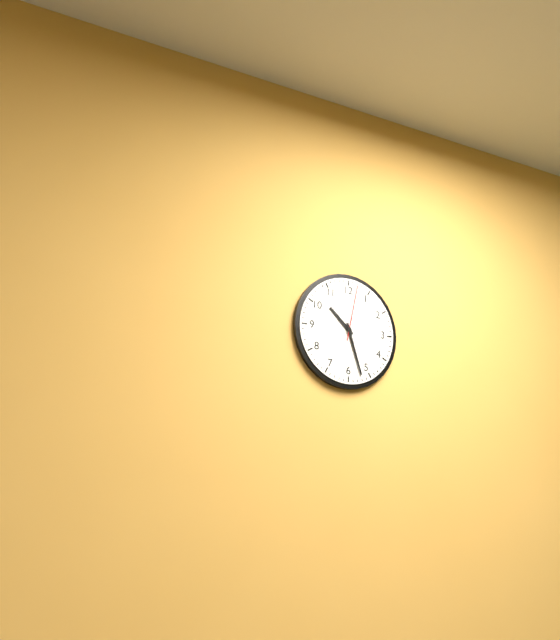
10:27:02
